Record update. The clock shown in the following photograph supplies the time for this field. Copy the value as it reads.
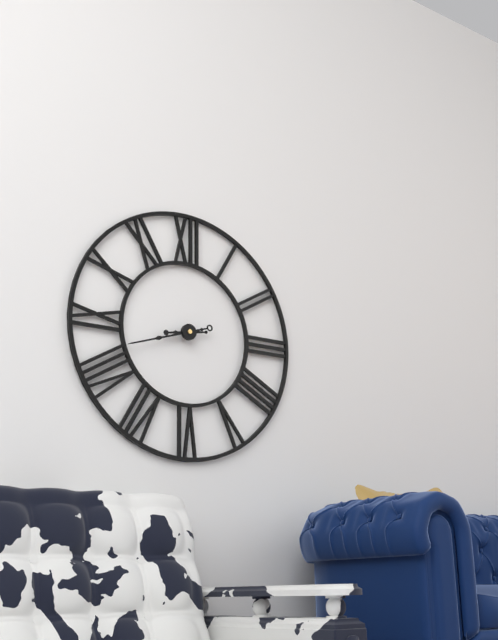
8:42
